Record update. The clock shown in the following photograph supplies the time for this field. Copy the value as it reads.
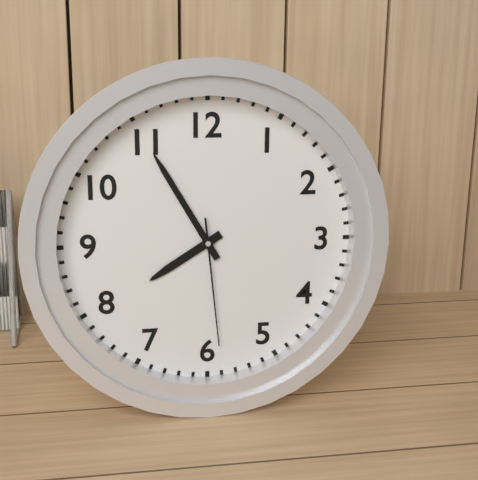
7:55:29
